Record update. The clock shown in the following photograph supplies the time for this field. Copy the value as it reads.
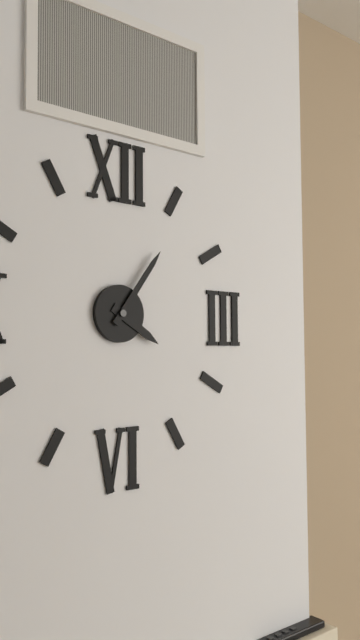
4:06
